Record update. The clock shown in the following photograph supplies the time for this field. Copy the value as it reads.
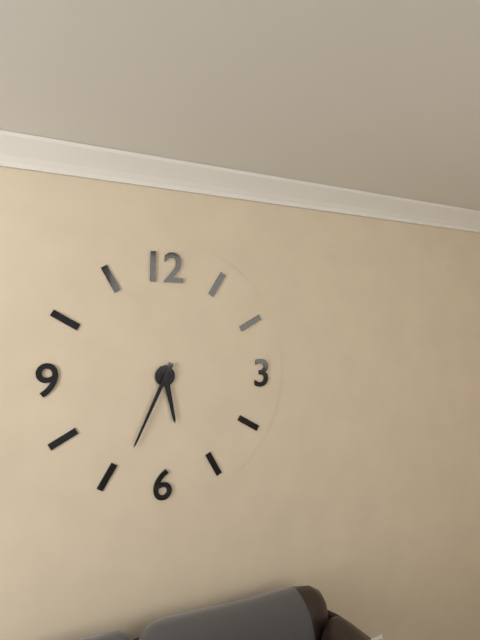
5:34
